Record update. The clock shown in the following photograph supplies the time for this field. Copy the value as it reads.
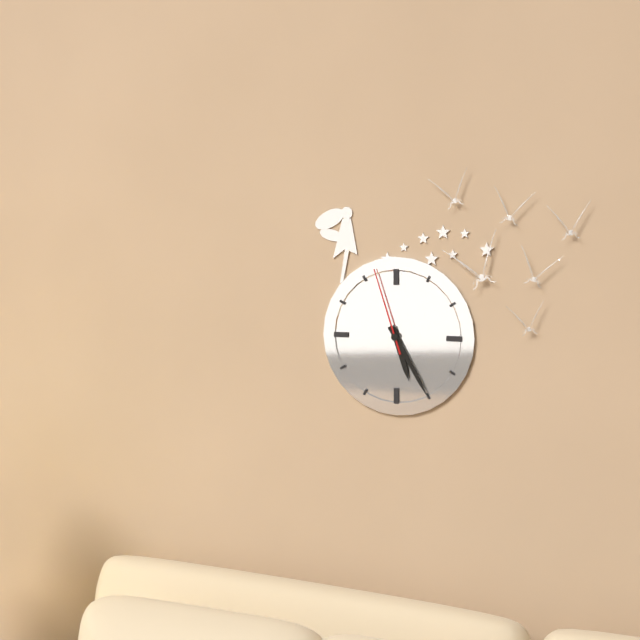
5:25:57
